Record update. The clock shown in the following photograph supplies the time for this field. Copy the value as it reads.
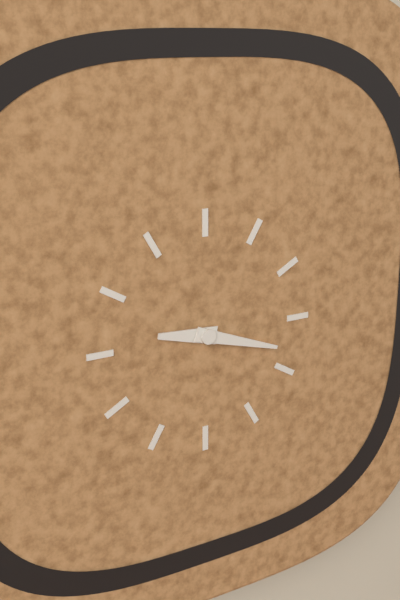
9:18
